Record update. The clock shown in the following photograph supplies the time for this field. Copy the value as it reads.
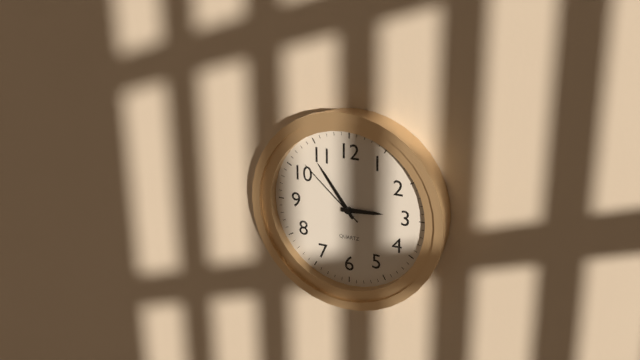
2:54:52
